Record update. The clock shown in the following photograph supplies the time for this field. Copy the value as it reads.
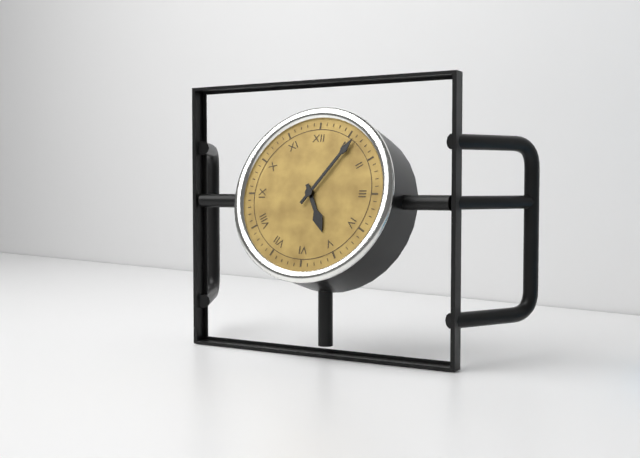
5:06
